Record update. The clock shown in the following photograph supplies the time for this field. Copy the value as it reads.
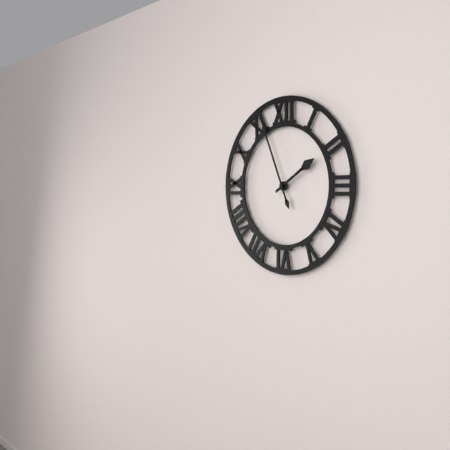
1:56
